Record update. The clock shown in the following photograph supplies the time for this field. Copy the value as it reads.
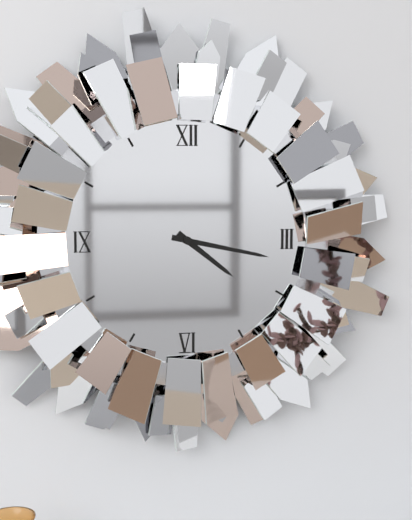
4:17
